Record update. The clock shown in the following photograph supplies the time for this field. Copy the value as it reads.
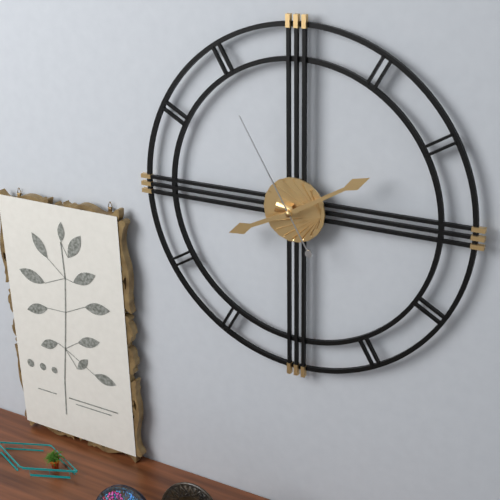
8:10:55
